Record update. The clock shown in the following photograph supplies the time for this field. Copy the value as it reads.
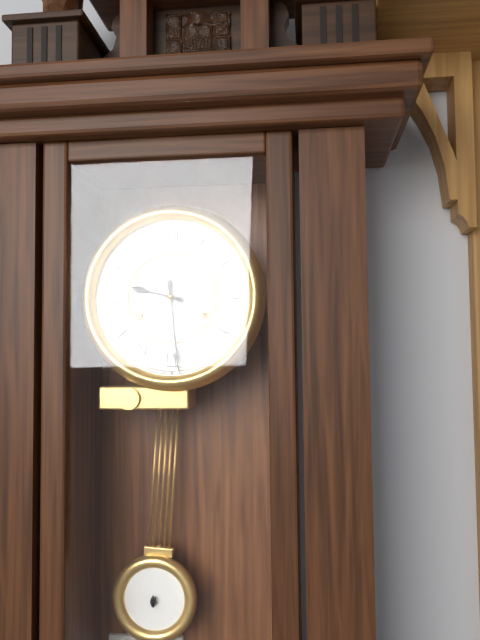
9:29
